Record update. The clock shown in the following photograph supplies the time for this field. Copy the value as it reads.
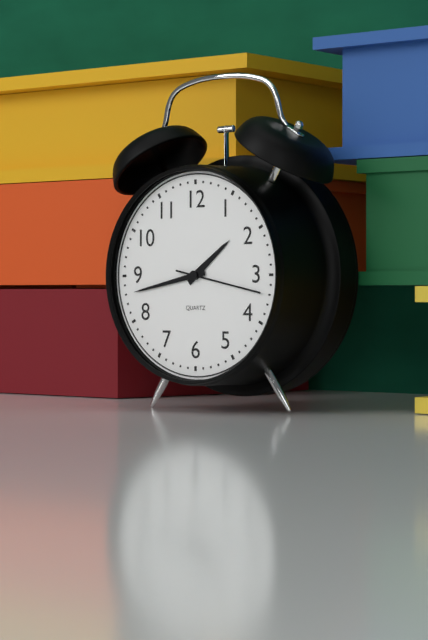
1:43:17
